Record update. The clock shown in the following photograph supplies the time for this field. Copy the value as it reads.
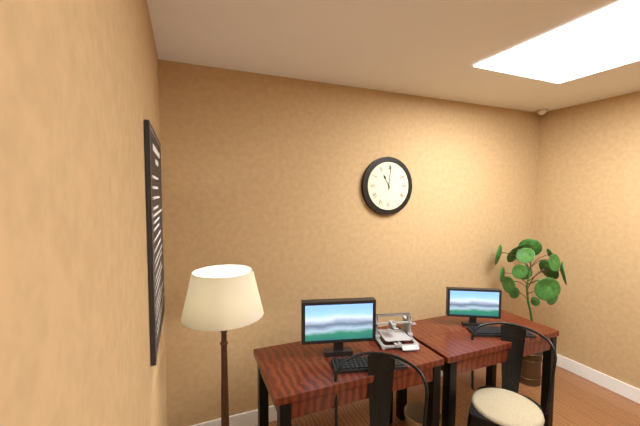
11:01
